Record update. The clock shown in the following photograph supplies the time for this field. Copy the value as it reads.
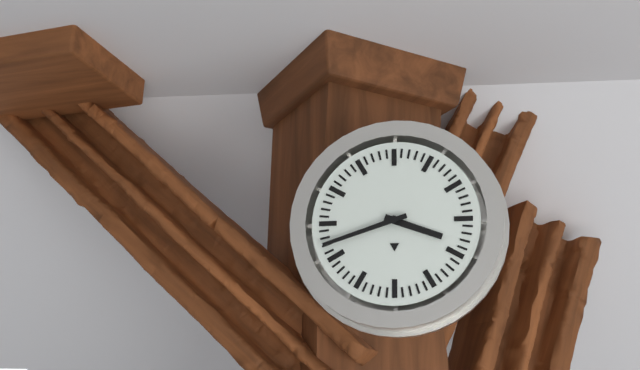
3:42
